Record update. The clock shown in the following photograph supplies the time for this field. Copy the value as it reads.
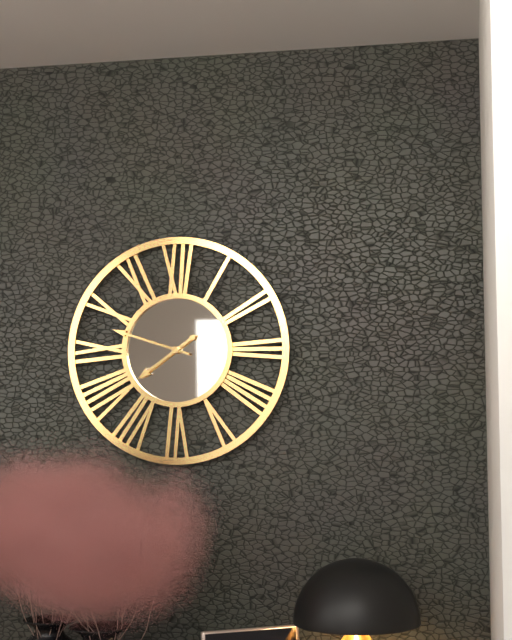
7:48
